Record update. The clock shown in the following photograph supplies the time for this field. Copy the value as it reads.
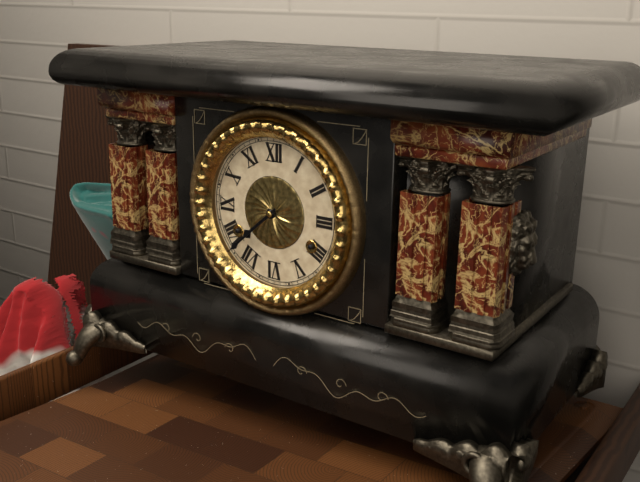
7:38
